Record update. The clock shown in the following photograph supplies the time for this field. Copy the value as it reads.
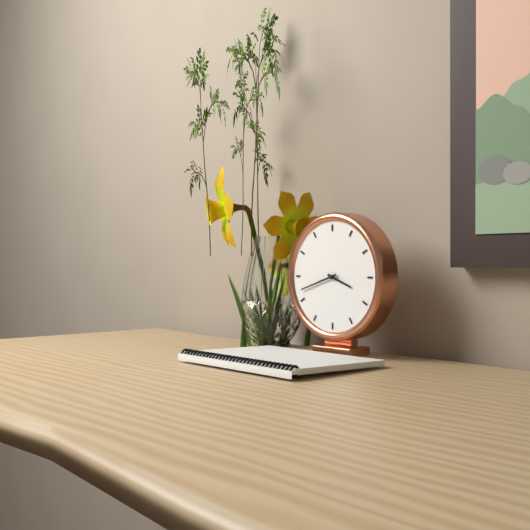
3:42
